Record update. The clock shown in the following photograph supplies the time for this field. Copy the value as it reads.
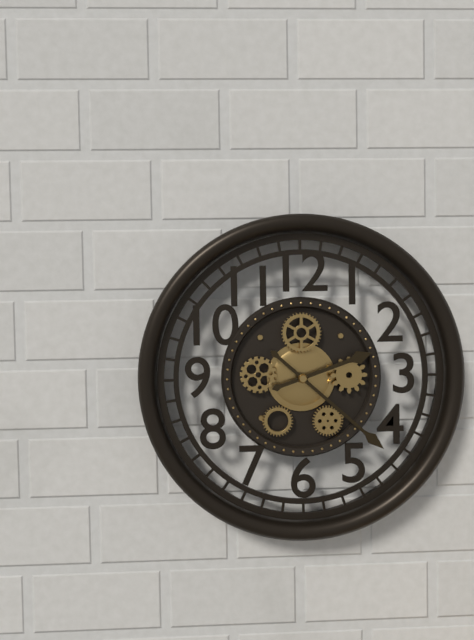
2:22
